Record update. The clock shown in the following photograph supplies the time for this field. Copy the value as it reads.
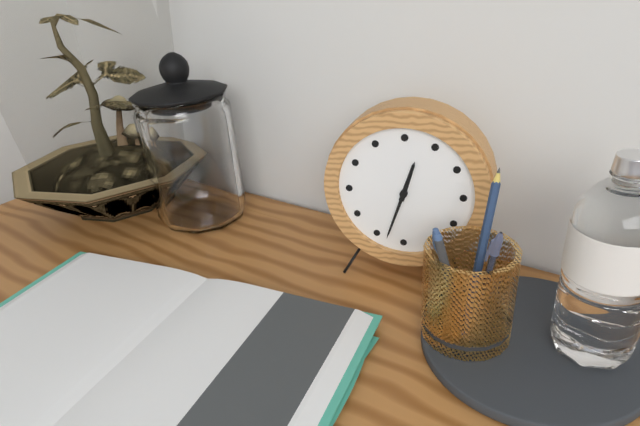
12:33
